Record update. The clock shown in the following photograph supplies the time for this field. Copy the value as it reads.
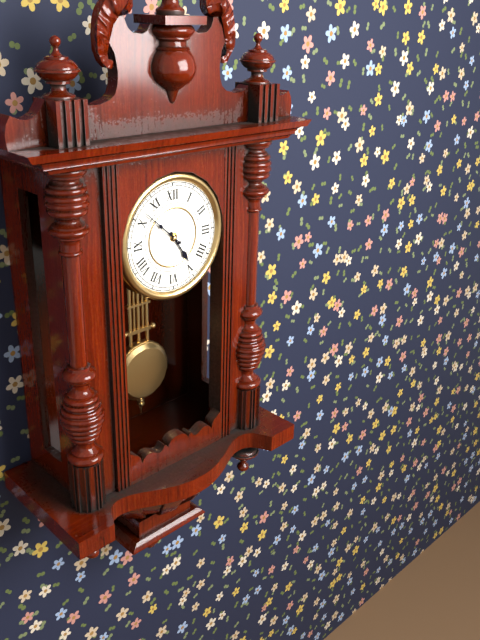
4:52
